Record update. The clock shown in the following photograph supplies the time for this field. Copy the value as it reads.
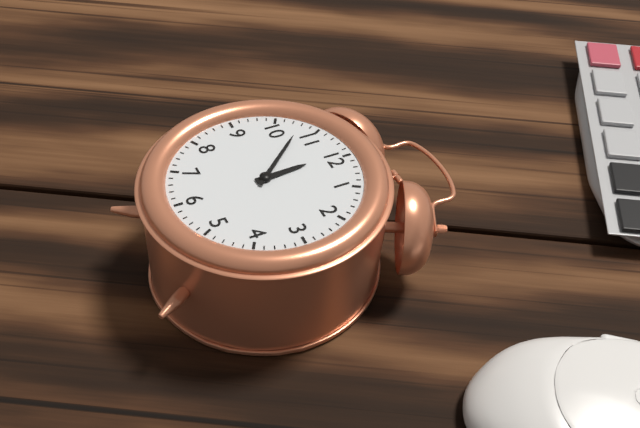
11:53
